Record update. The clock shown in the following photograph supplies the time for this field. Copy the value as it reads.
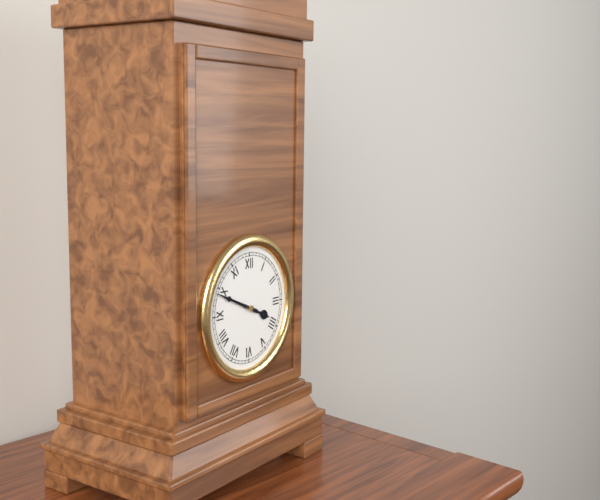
3:49
